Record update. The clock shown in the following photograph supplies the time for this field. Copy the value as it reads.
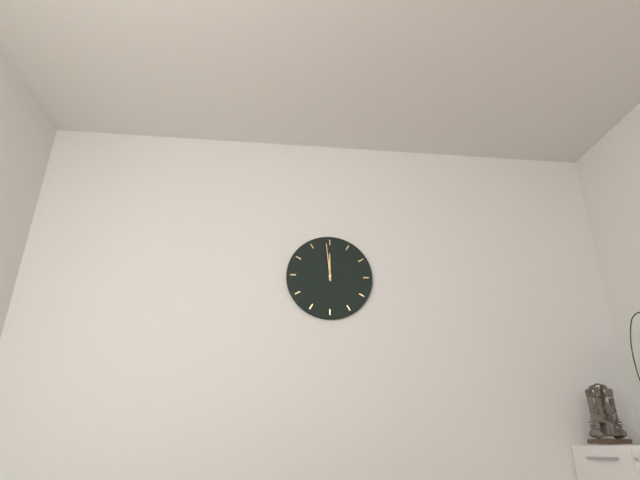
11:59
